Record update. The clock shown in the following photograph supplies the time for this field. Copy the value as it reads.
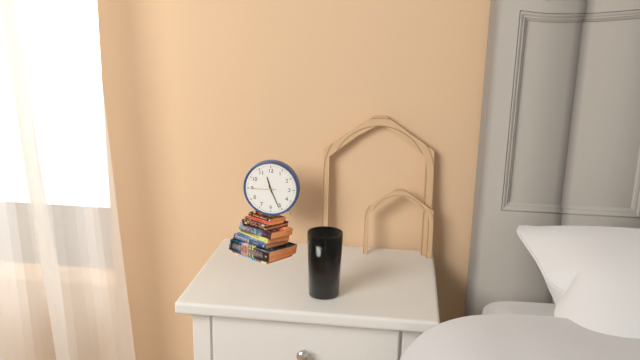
11:26
